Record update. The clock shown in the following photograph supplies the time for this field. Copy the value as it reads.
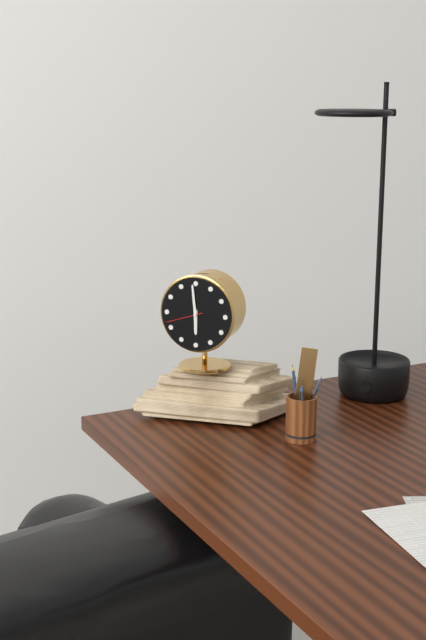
5:59
